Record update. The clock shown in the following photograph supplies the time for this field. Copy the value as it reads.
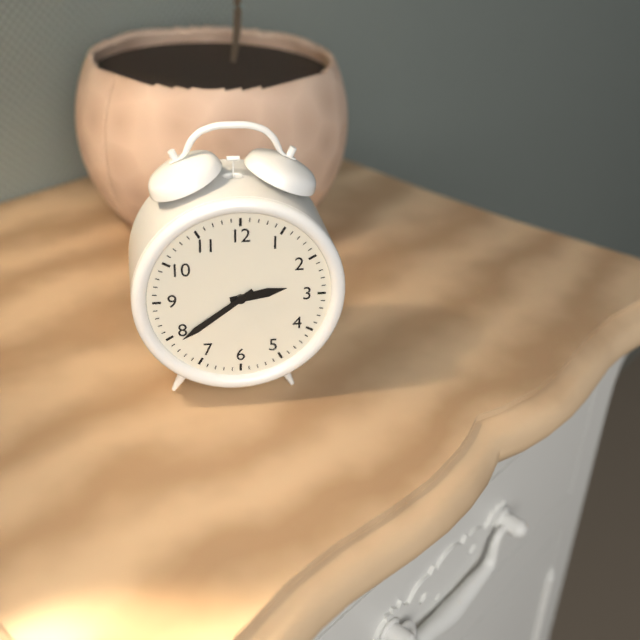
2:39
